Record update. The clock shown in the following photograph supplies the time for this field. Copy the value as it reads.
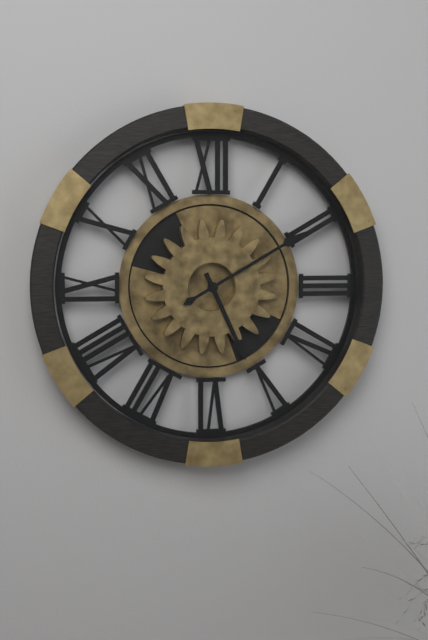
5:10
